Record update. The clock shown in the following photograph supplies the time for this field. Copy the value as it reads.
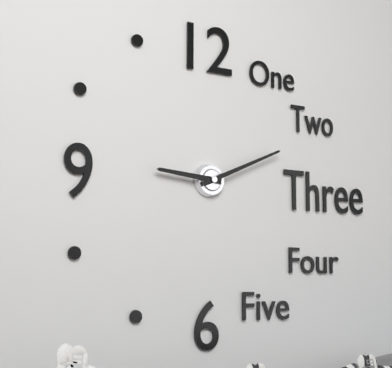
9:11
